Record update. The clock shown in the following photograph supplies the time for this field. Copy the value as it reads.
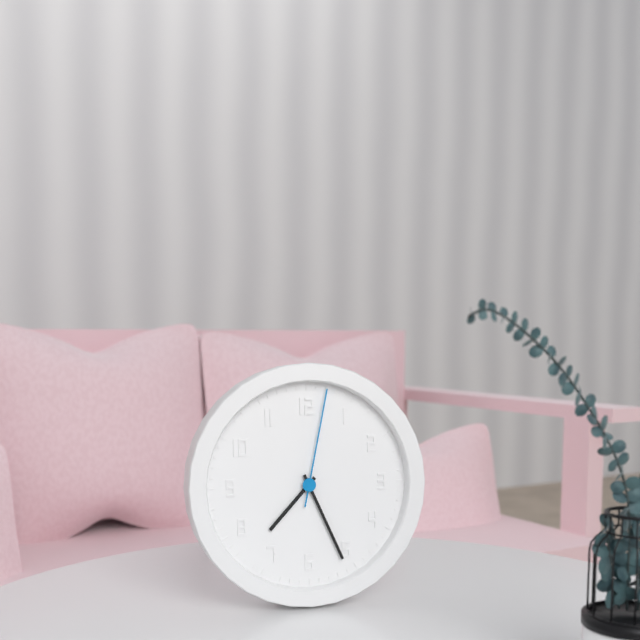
7:26:02
